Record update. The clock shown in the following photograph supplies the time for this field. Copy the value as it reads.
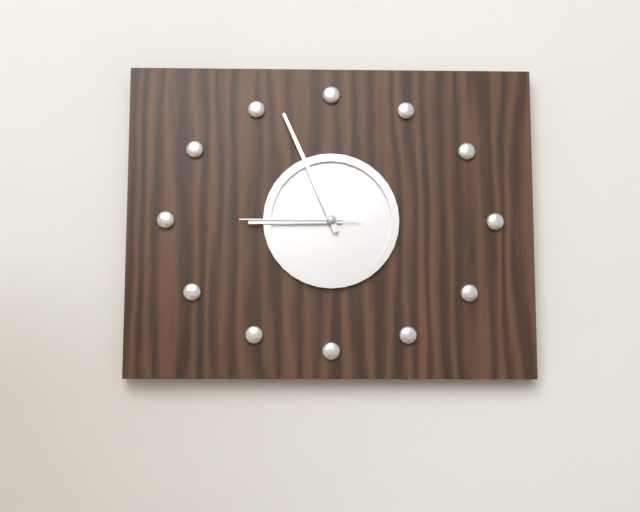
8:56:45
